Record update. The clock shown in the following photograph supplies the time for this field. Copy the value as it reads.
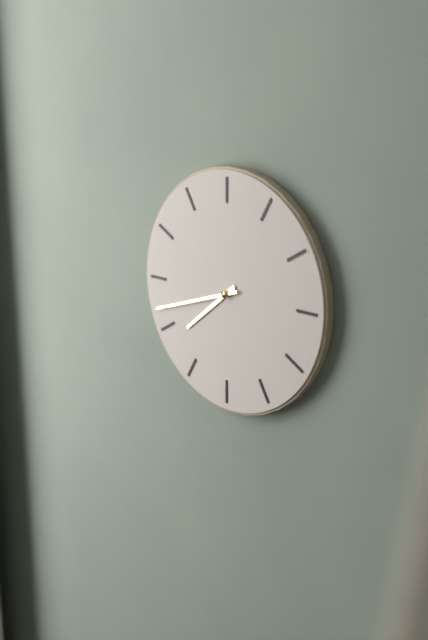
7:42
